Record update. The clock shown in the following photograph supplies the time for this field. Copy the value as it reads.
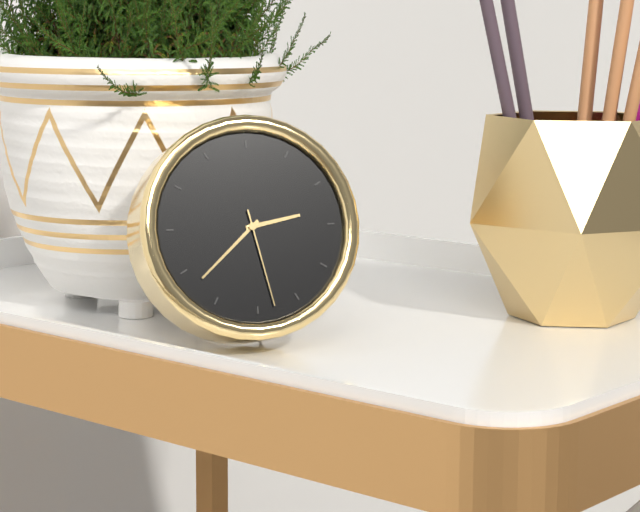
2:38:28
